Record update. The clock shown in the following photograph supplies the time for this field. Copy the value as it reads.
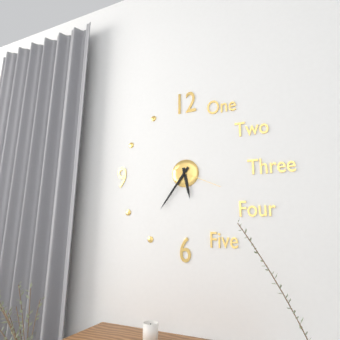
5:36:19
